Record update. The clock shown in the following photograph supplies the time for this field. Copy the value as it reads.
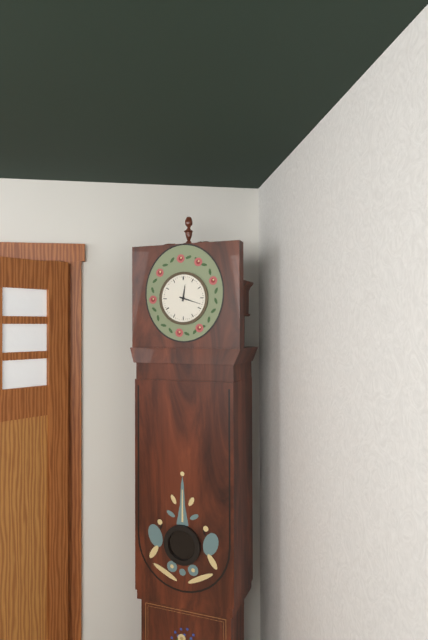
12:18
